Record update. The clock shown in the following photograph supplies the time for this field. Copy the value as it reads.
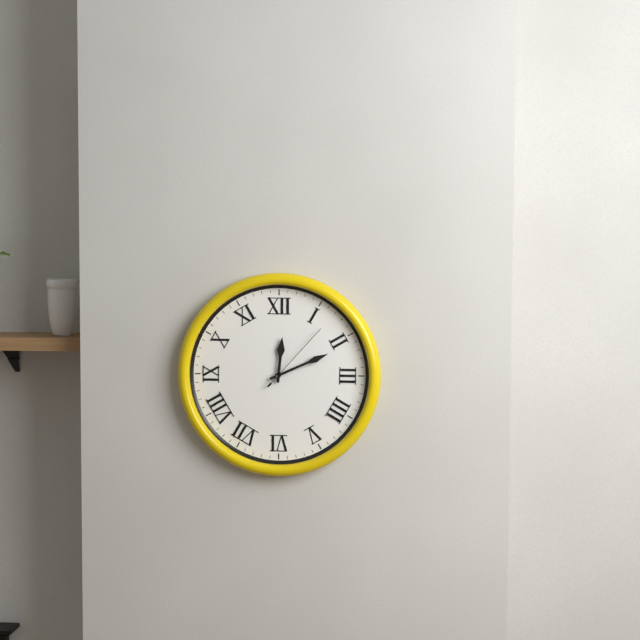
12:11:07
